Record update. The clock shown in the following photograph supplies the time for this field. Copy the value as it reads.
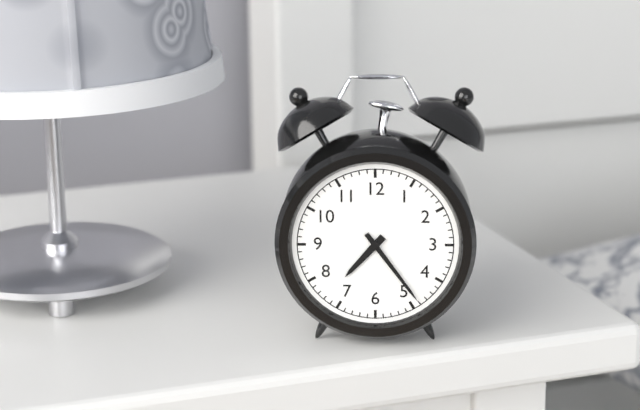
7:24
